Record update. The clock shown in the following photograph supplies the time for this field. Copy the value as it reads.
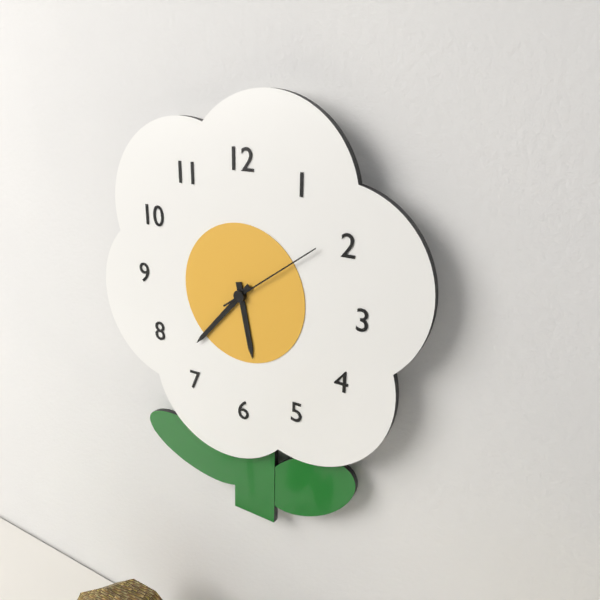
5:37:09
